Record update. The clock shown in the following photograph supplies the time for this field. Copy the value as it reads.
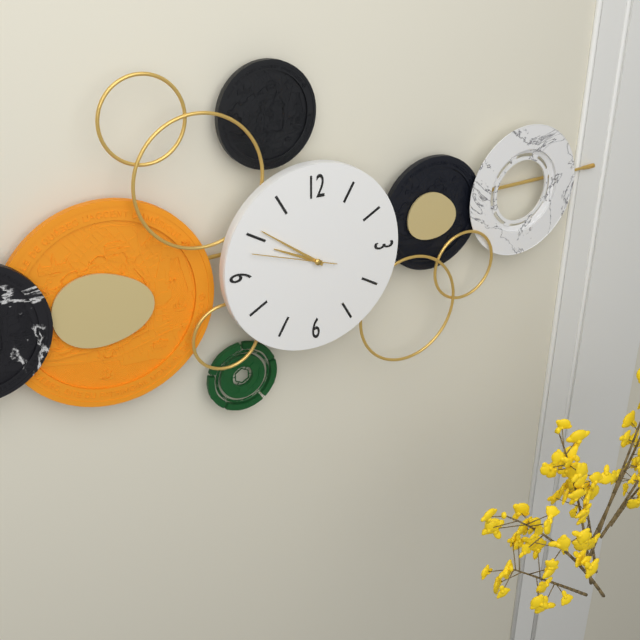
9:51:48
